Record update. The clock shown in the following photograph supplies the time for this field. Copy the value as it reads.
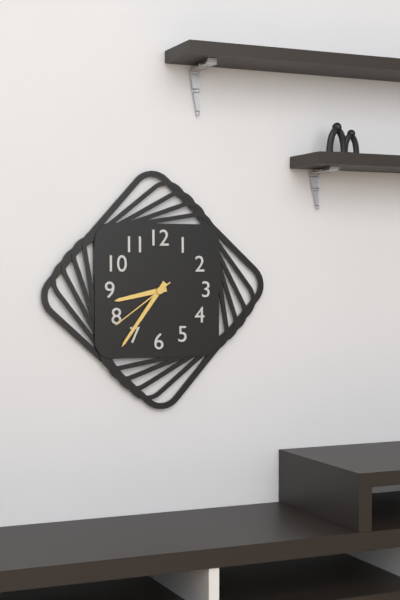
8:36:39
